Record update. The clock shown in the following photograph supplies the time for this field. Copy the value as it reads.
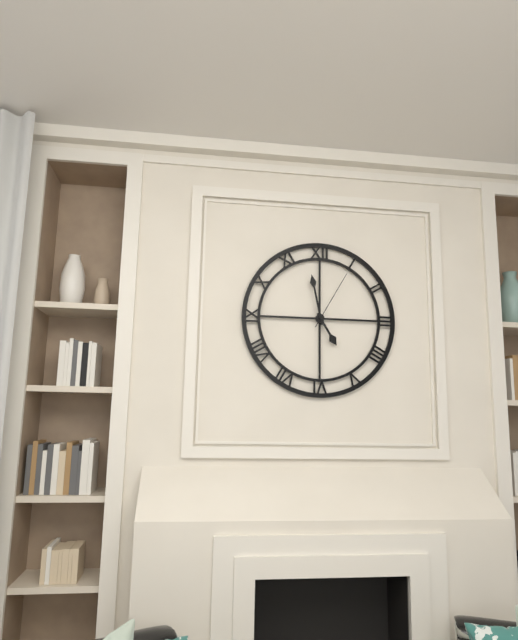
4:58:05
